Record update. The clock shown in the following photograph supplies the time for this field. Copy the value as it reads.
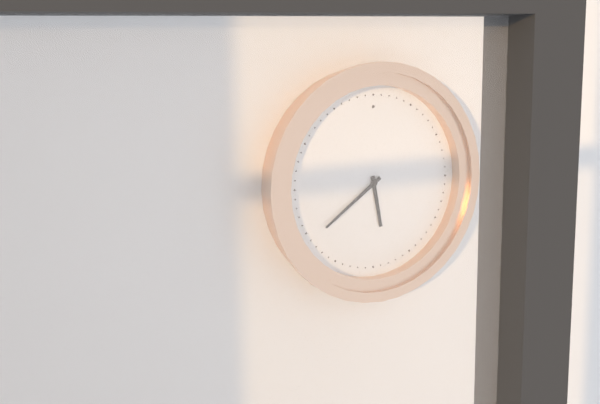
5:39
